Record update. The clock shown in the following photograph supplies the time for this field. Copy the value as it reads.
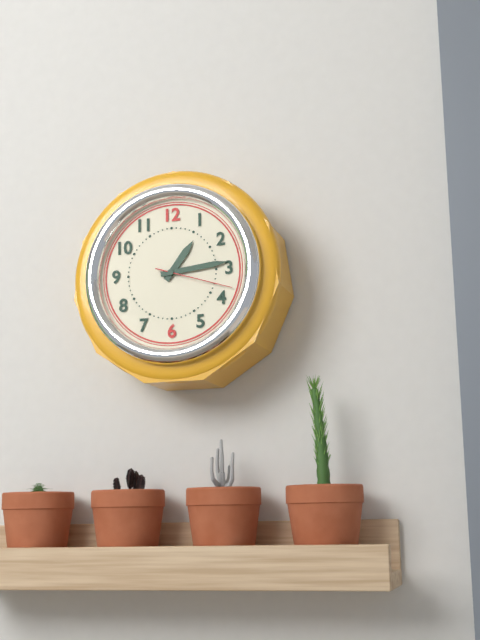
1:14:18
